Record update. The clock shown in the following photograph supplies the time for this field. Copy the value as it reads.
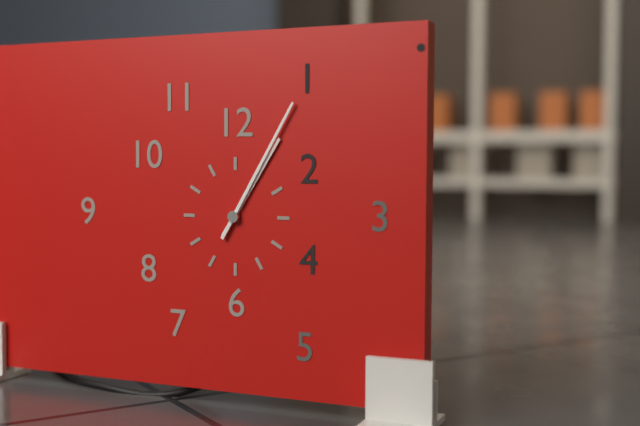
1:05
